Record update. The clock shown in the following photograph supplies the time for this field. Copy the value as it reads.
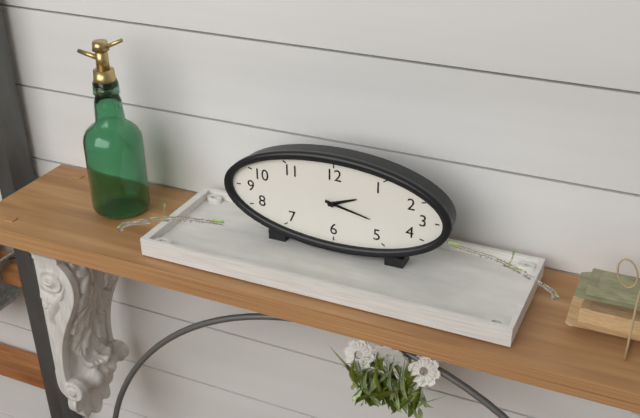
2:17
